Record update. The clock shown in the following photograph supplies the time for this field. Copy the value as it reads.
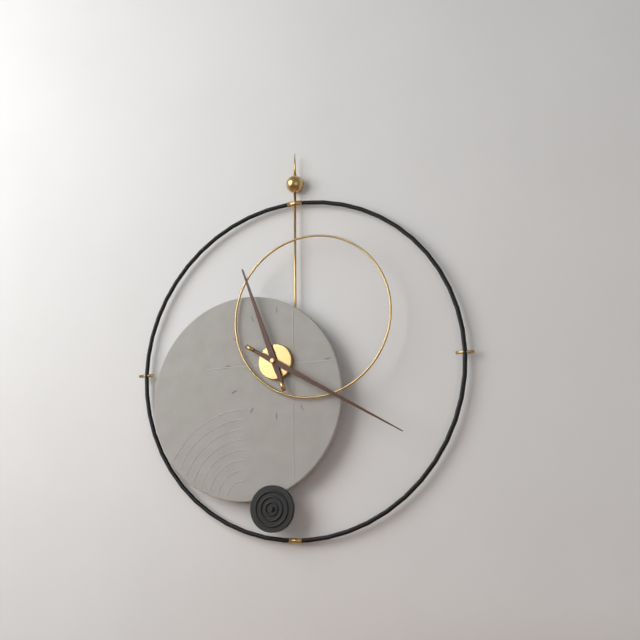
11:20
